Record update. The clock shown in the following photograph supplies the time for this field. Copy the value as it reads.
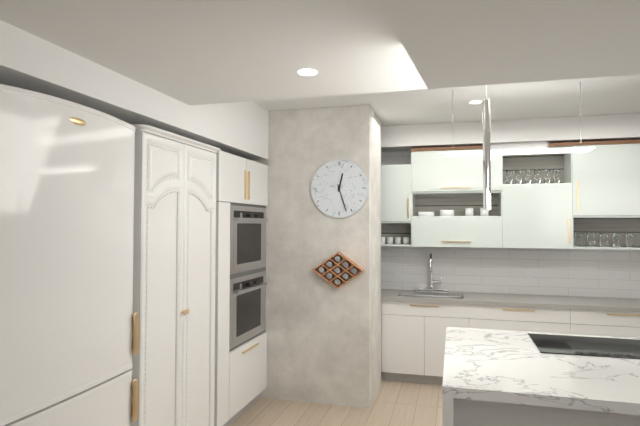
12:27
